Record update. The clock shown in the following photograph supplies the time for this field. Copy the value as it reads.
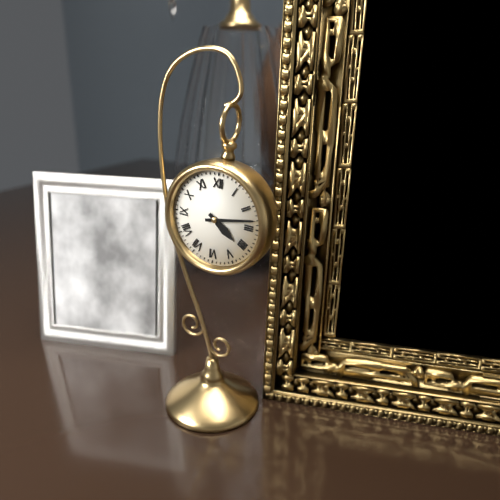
4:13
